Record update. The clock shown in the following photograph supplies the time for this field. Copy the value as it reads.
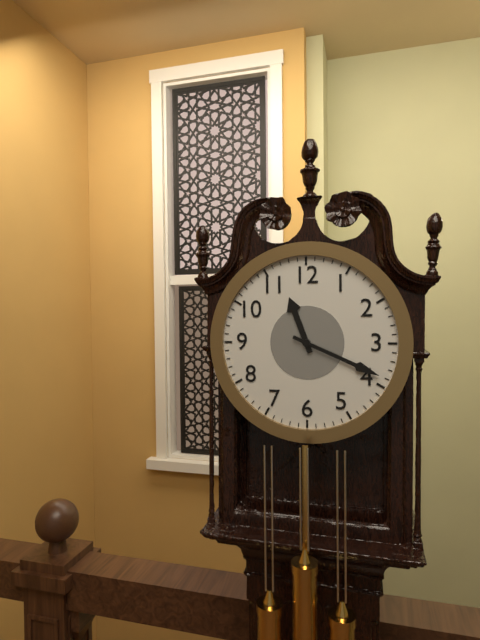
11:19
